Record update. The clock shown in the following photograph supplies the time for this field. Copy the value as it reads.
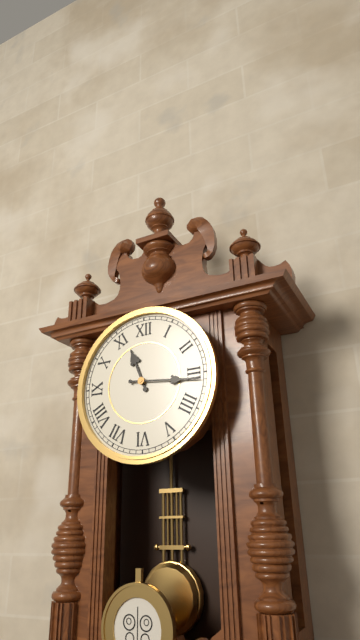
11:16
